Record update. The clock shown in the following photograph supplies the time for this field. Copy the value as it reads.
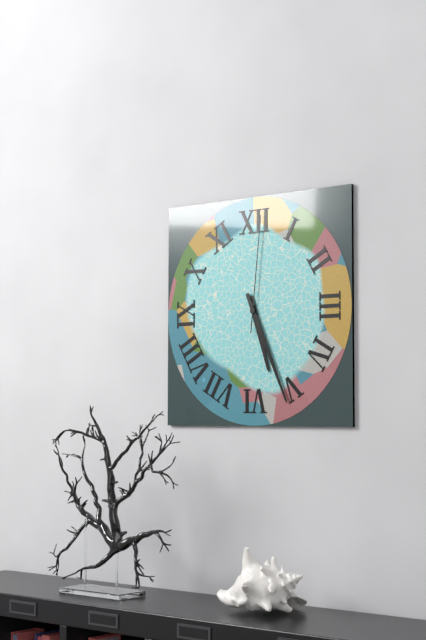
5:26:01
